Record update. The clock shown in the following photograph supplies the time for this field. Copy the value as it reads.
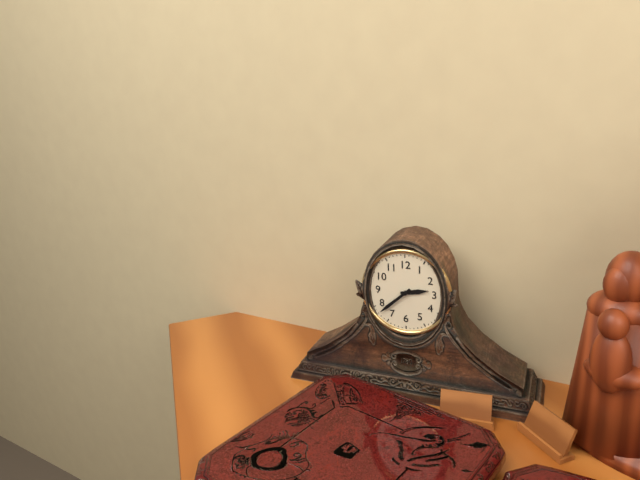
2:38
